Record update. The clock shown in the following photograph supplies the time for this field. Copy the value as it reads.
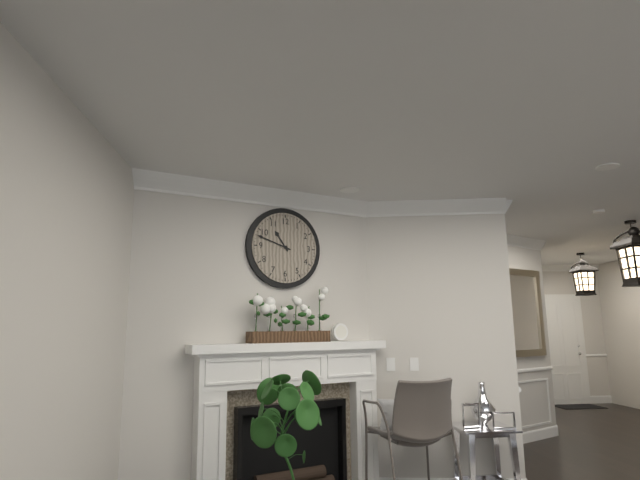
10:48
